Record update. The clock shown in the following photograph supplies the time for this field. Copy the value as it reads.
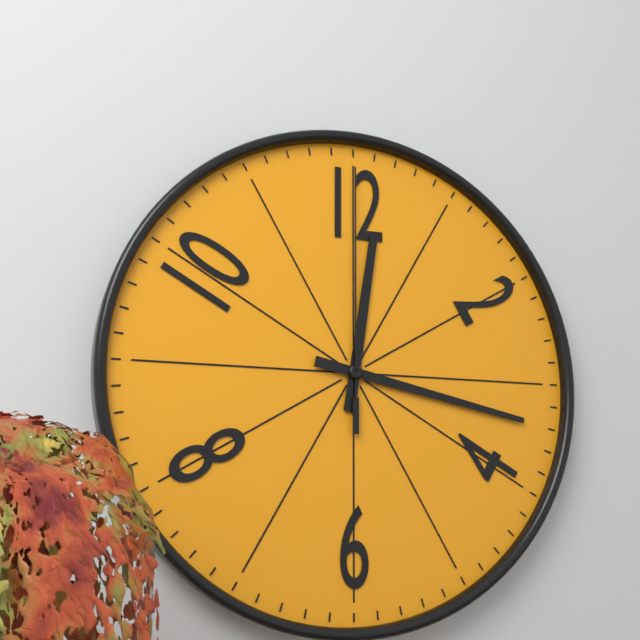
12:17:00
